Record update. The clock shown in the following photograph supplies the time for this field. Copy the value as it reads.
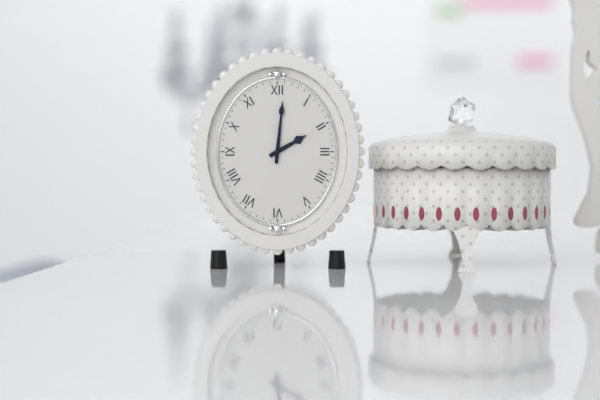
2:01
